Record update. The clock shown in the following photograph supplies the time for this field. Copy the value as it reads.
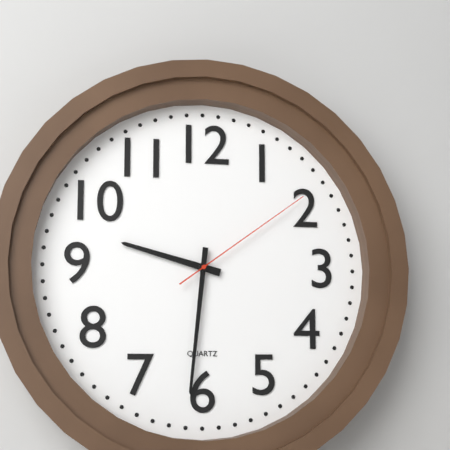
9:31:09
